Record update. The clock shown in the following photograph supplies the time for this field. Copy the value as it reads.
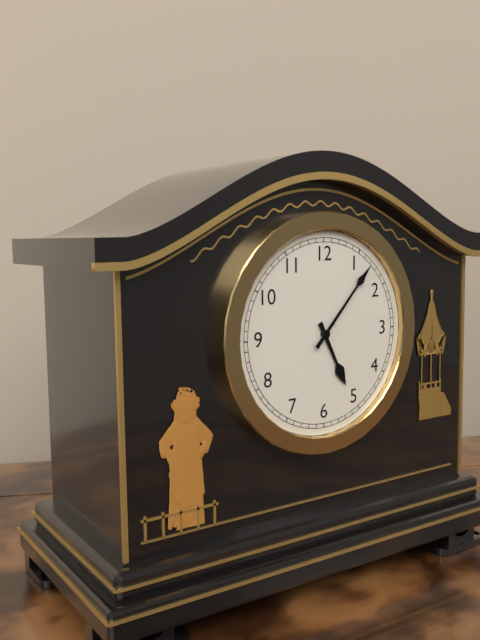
5:07
